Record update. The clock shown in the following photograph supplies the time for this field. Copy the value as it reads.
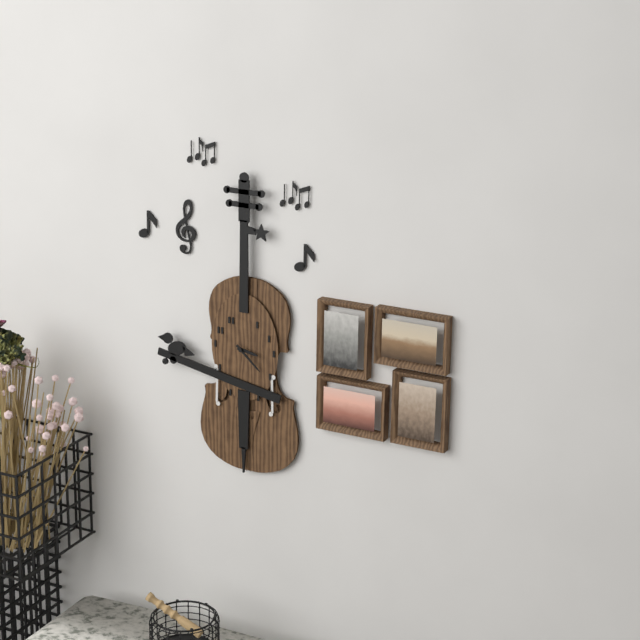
3:22
